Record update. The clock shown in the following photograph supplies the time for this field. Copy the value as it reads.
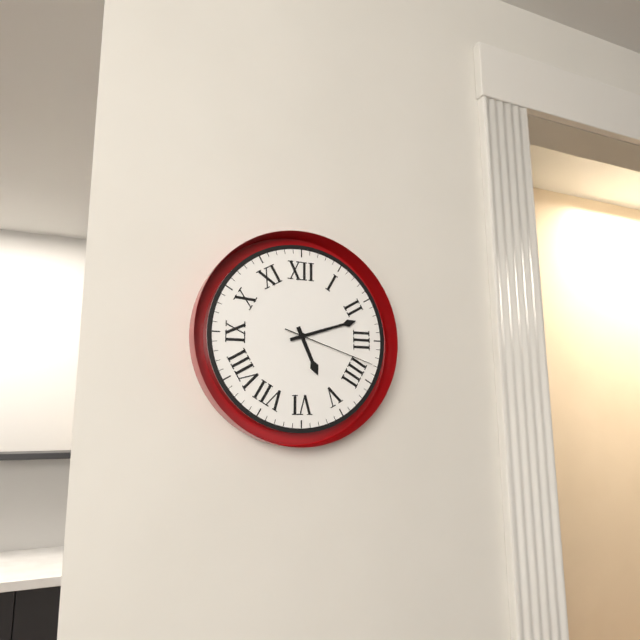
5:12:18
